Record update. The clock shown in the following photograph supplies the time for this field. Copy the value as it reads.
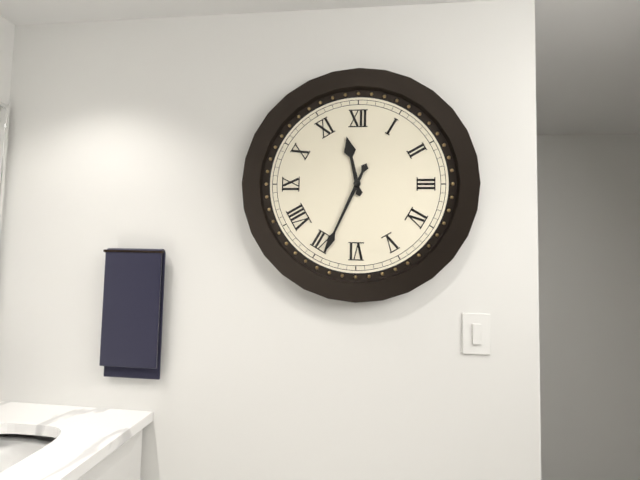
11:34
